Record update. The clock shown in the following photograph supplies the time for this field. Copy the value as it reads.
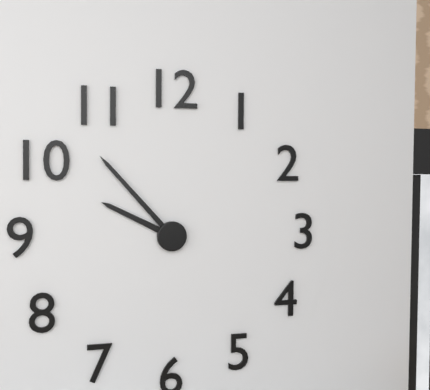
9:53
